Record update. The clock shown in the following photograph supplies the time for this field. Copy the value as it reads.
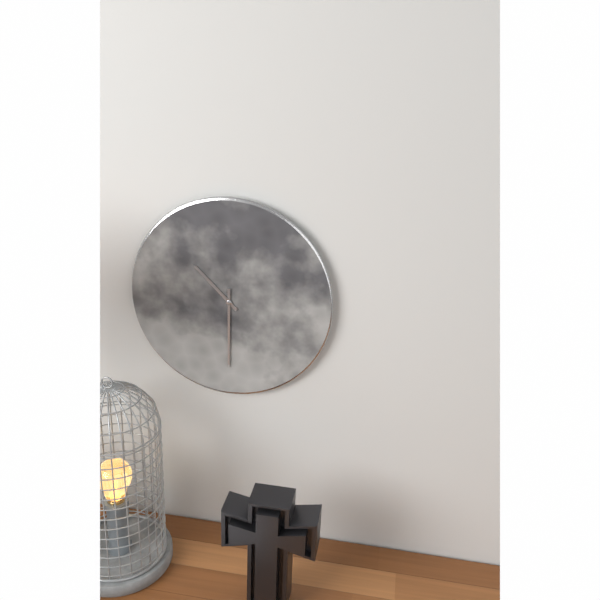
10:30
